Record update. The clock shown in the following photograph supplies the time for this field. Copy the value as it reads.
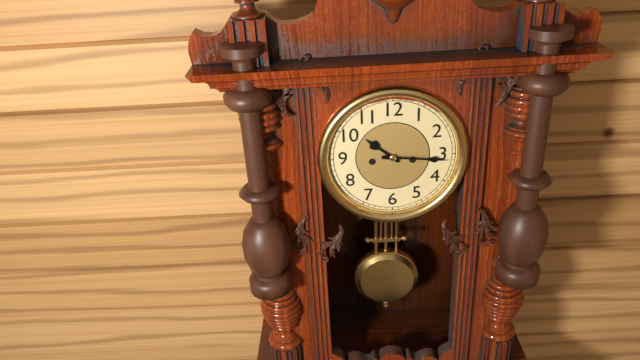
10:16
